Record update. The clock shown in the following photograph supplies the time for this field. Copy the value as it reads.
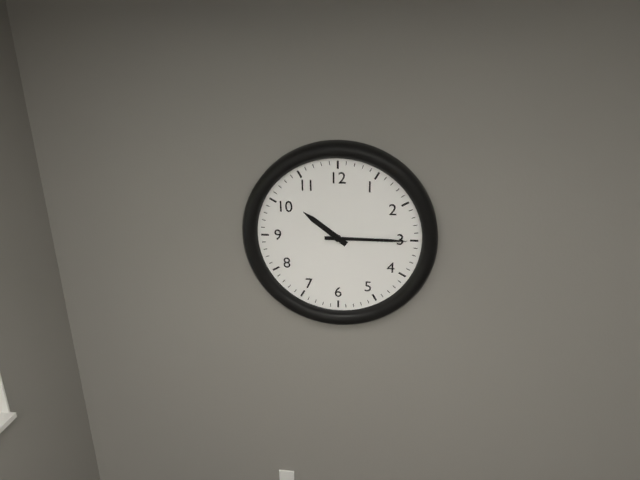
10:15
